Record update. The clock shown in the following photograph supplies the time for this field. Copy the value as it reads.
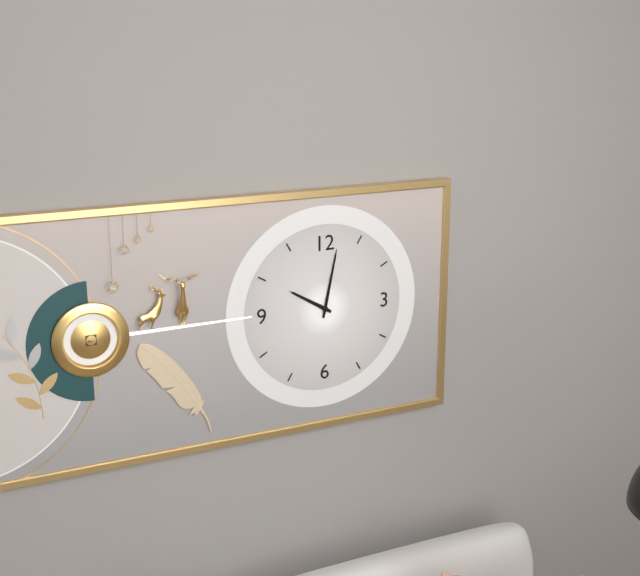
10:02
